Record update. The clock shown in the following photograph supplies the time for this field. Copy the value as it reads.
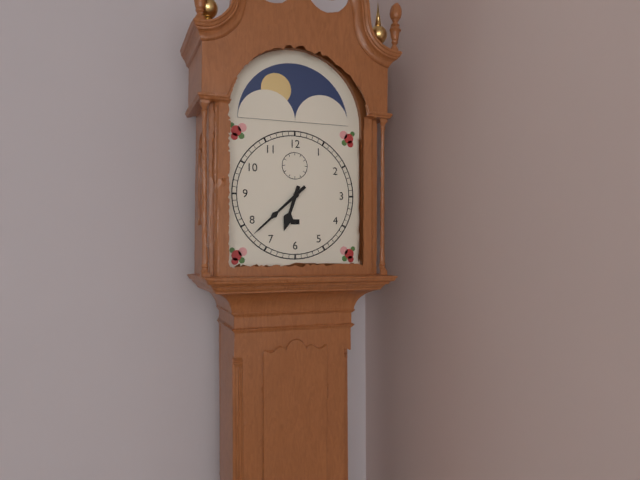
6:38
